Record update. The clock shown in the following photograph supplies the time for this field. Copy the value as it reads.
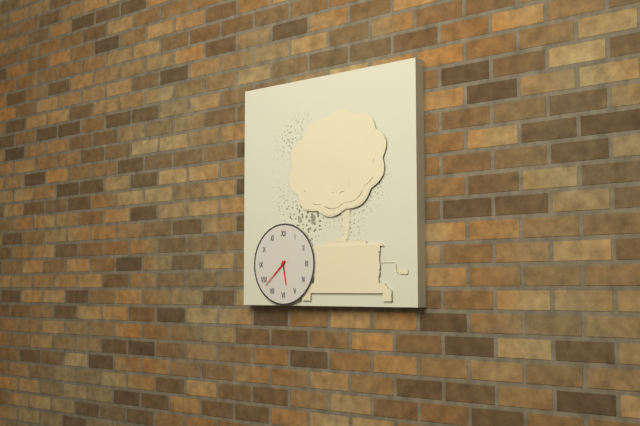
5:38
